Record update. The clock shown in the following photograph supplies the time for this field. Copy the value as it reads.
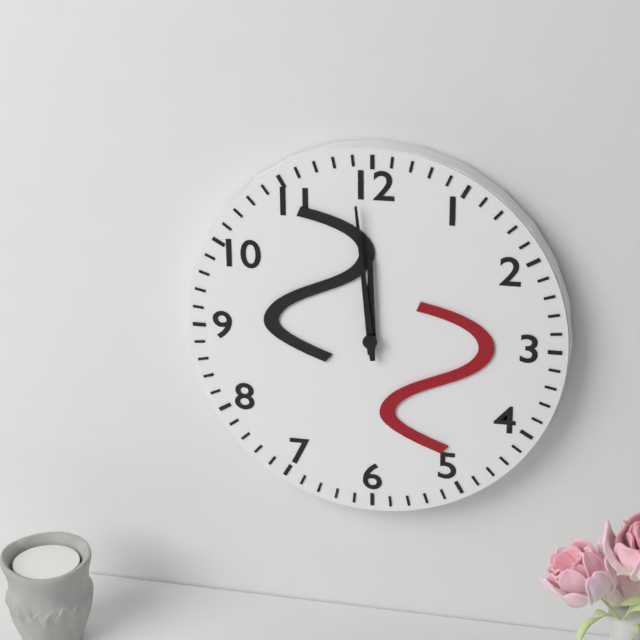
11:59
